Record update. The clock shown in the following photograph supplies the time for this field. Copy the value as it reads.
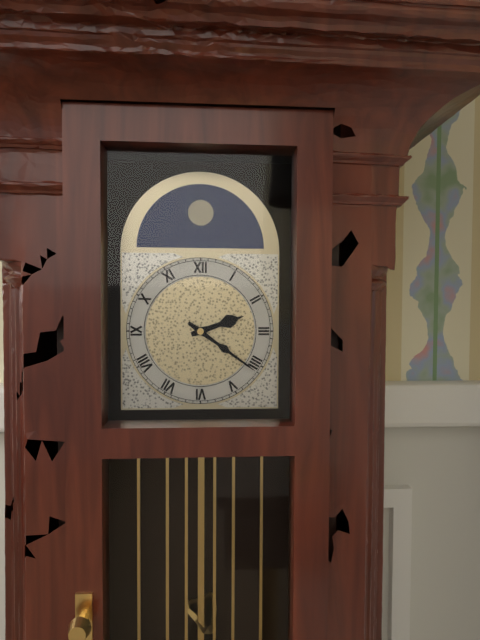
2:21
